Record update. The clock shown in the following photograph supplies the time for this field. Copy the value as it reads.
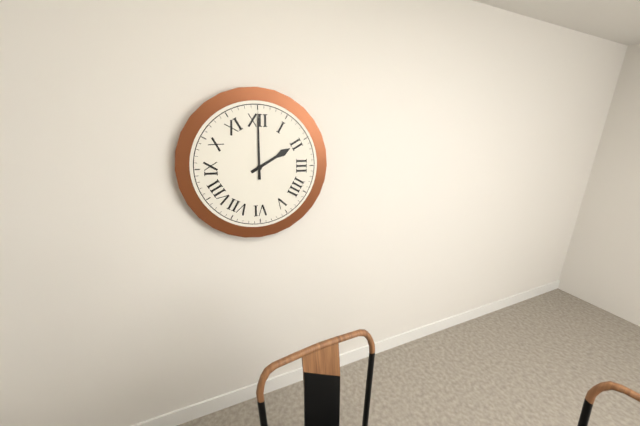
2:00
